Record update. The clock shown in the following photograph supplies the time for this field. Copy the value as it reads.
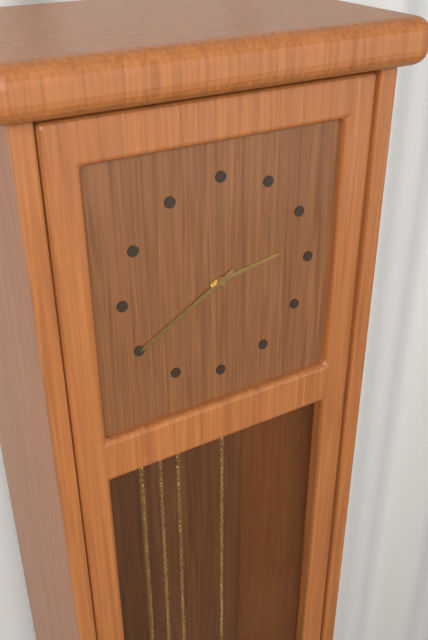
2:40
